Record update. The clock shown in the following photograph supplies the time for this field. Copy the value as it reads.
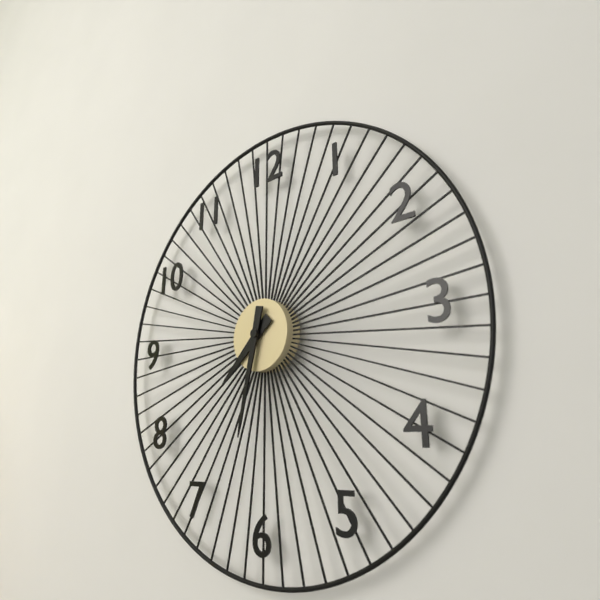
7:32
